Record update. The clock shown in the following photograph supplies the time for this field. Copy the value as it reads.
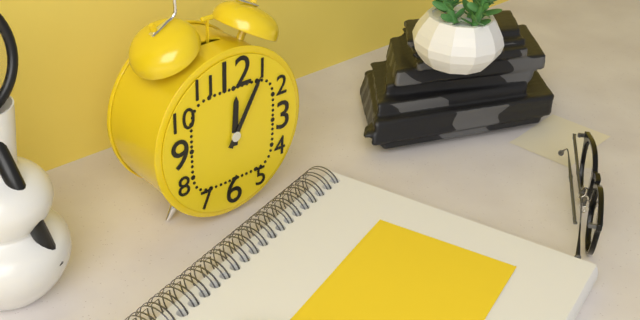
12:05
